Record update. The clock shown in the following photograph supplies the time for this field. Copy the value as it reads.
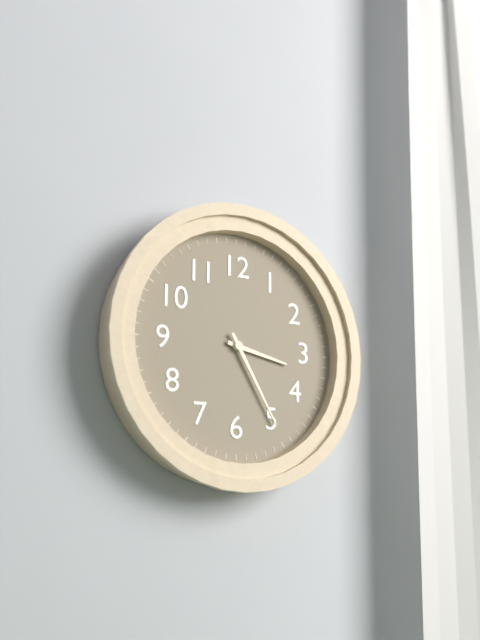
3:25
